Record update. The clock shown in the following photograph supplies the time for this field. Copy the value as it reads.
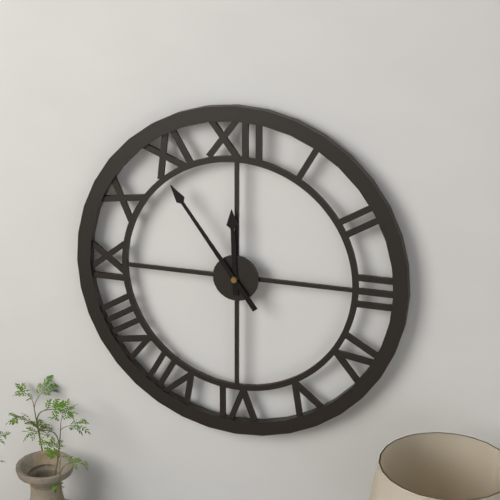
11:54
